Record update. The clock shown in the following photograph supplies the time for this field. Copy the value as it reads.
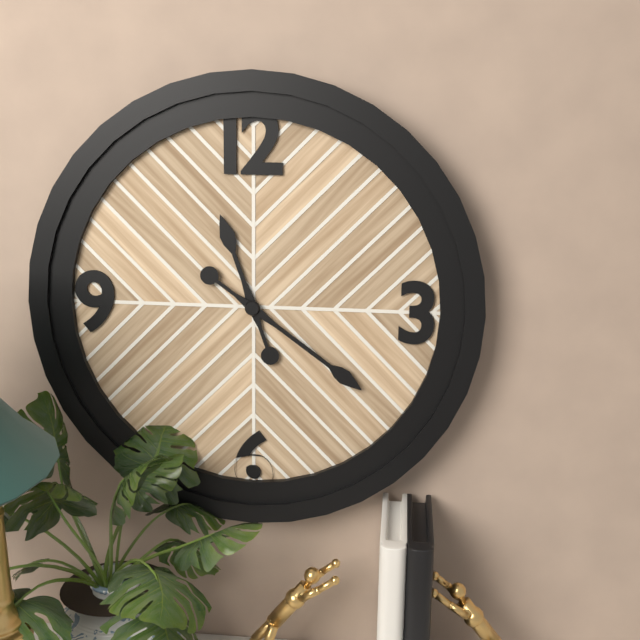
11:21
